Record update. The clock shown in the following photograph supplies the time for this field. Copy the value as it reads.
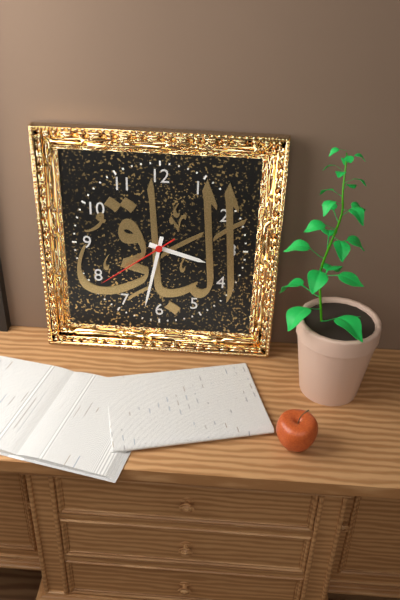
3:32:39
